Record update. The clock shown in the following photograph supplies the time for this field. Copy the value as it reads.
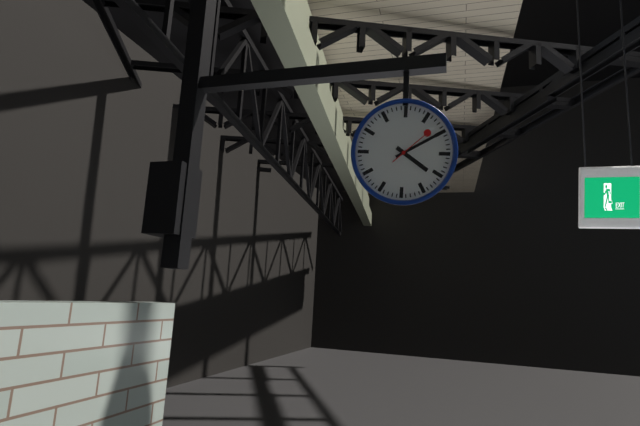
4:10
